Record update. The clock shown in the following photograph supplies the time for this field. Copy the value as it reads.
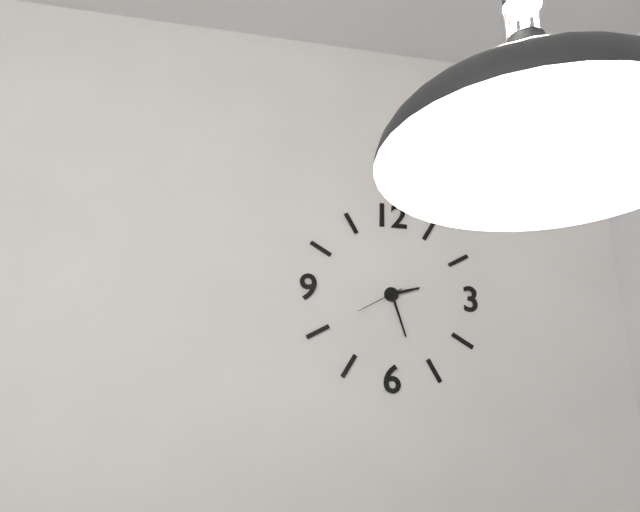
2:27
